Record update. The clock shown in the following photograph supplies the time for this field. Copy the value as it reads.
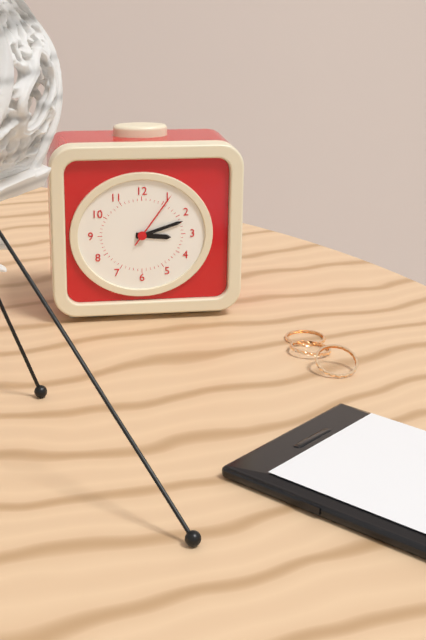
3:12:06
